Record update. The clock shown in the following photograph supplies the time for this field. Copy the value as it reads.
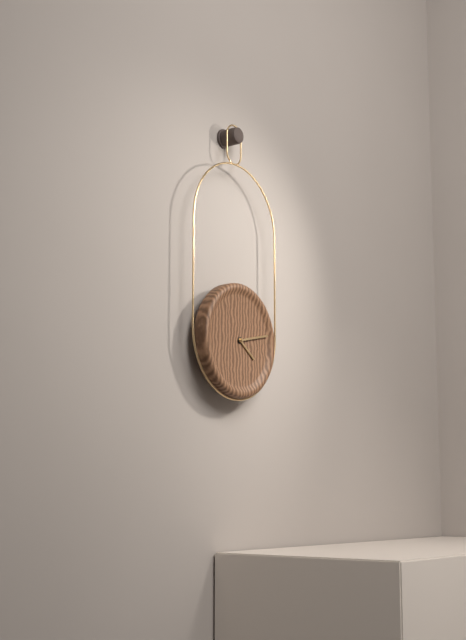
4:13
